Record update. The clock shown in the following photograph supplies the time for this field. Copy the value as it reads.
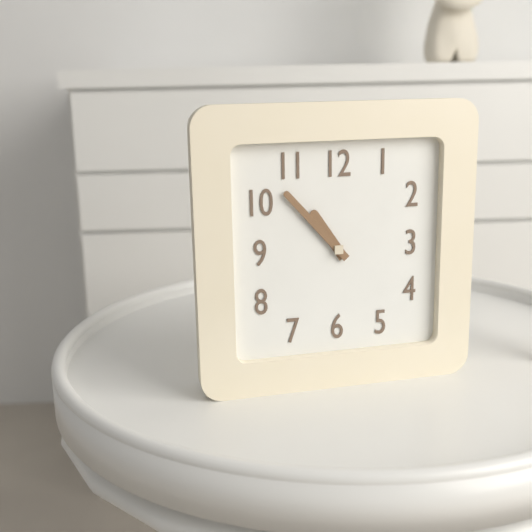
10:53
